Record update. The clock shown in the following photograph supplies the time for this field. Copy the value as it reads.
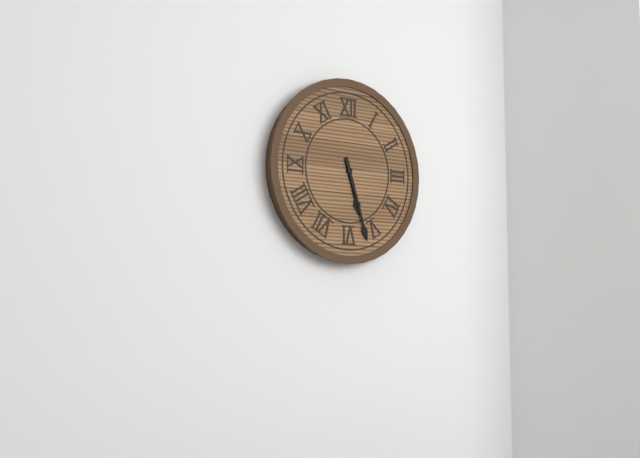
5:27
